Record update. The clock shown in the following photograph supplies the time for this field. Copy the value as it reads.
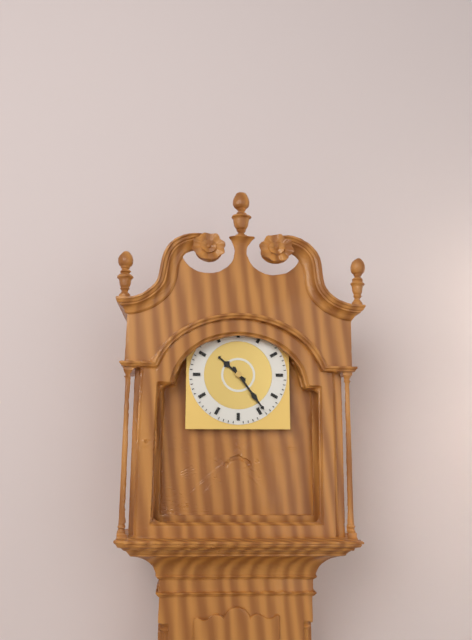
10:24
